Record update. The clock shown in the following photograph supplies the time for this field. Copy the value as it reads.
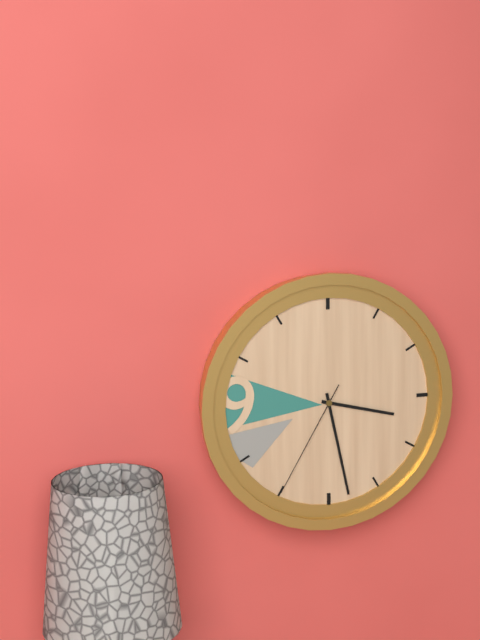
3:28:35
